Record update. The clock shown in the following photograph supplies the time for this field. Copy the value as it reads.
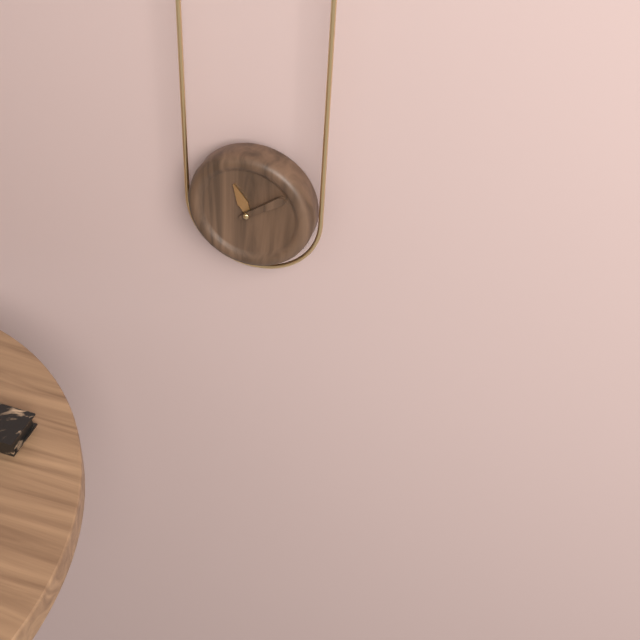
11:09
